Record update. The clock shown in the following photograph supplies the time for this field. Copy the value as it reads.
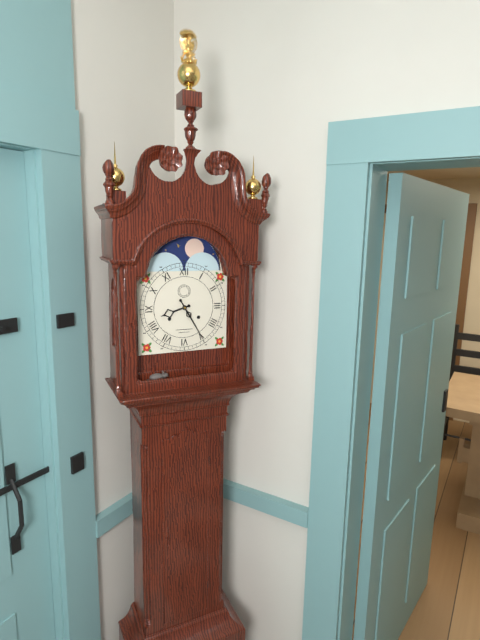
8:25
